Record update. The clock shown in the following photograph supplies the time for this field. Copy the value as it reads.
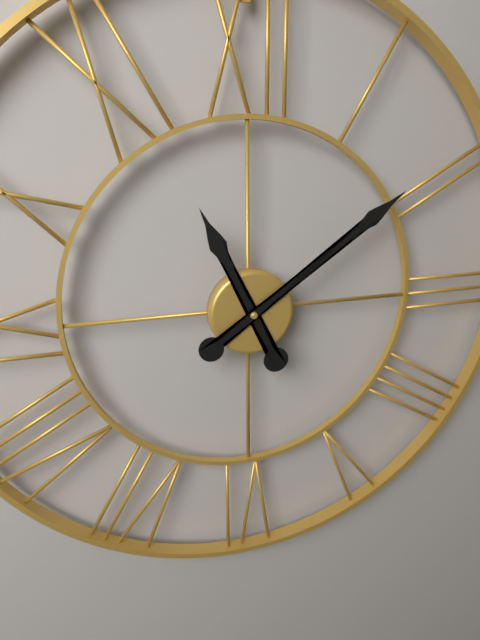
11:09
